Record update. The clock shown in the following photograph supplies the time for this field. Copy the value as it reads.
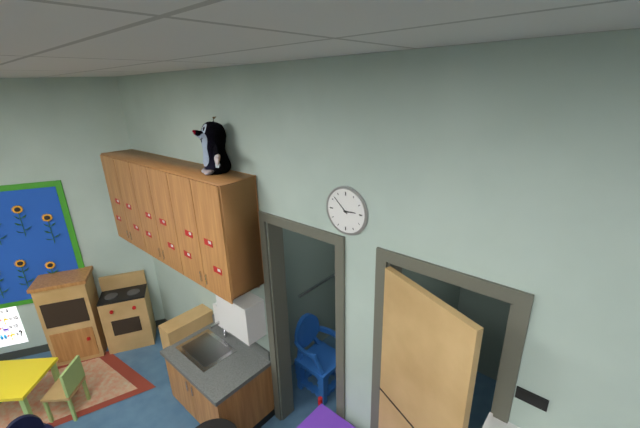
2:52
